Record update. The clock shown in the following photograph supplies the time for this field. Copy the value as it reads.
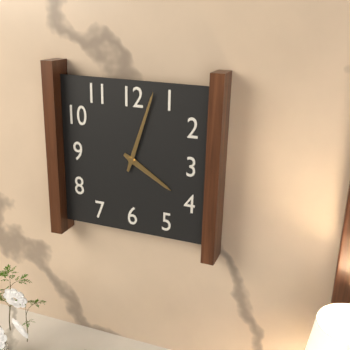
4:03
